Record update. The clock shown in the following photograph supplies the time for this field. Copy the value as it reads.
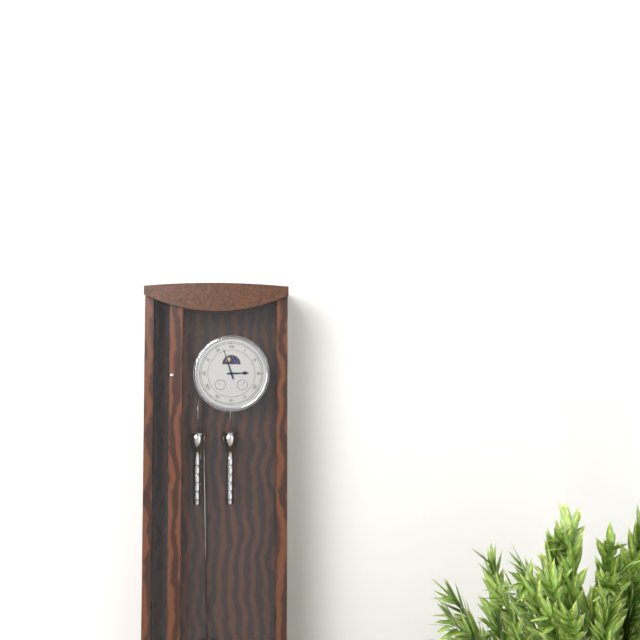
2:57
